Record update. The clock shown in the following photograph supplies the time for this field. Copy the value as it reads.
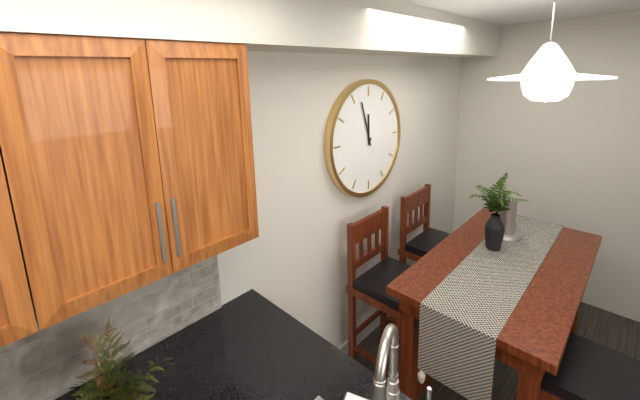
11:57
